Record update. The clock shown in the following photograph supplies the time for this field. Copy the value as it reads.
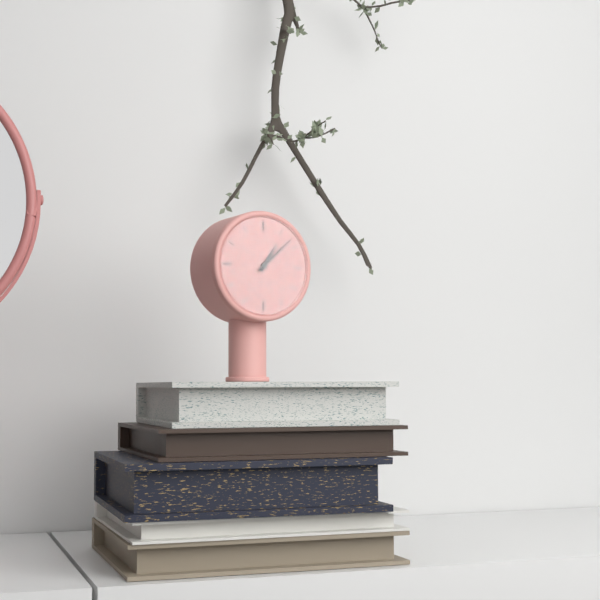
1:08
